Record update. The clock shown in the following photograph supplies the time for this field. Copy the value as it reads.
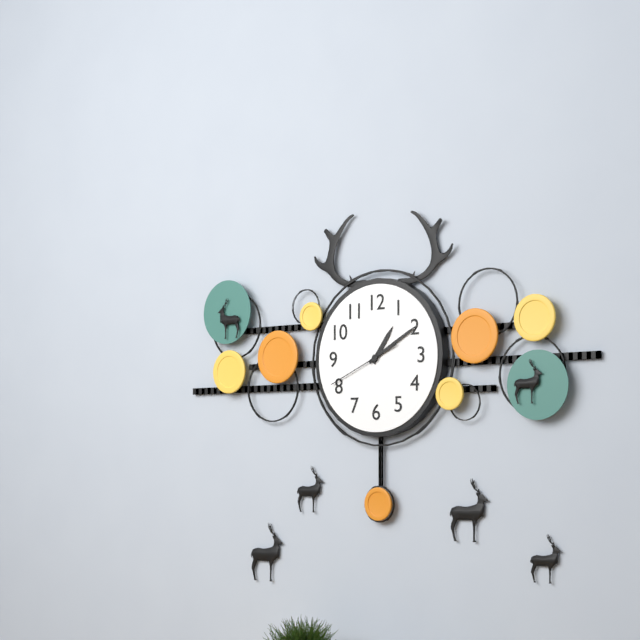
1:10:41
